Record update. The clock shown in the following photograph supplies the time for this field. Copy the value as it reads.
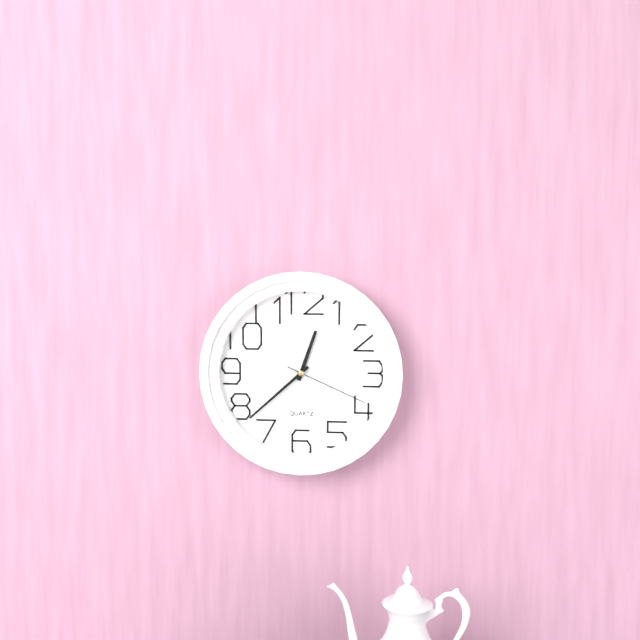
12:38:19
